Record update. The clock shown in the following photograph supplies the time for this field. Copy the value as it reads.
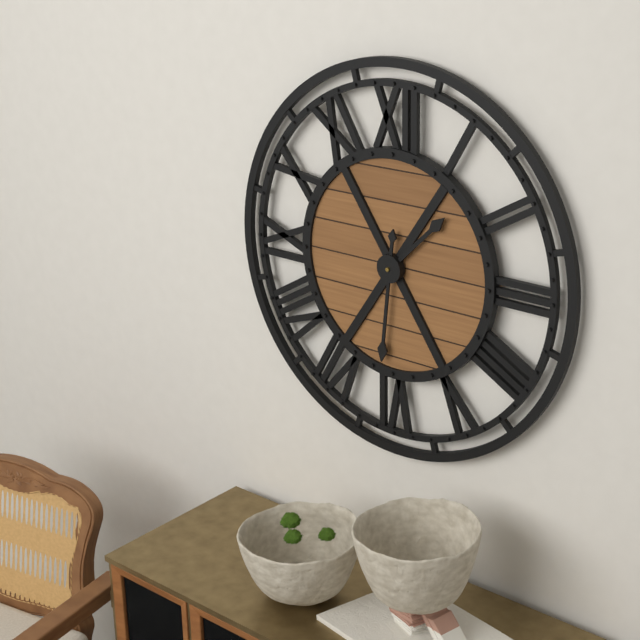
1:31
